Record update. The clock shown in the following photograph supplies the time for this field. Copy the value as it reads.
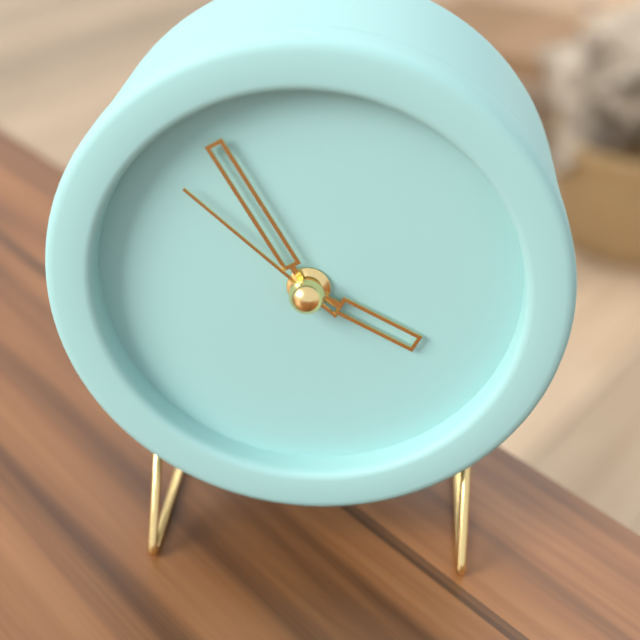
3:55:52
